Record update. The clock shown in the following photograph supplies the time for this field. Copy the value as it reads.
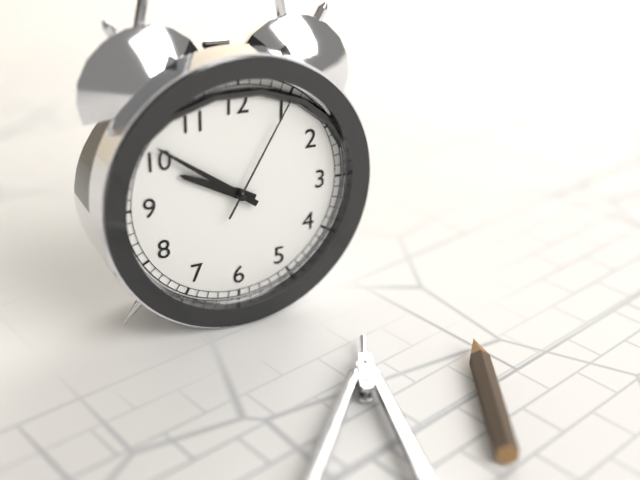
9:51:05
